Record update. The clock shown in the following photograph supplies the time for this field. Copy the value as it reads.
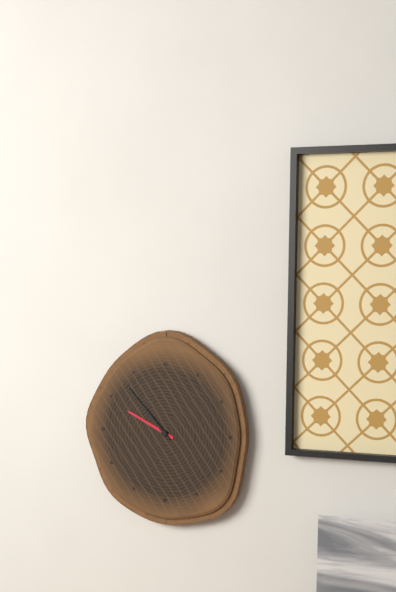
9:53
